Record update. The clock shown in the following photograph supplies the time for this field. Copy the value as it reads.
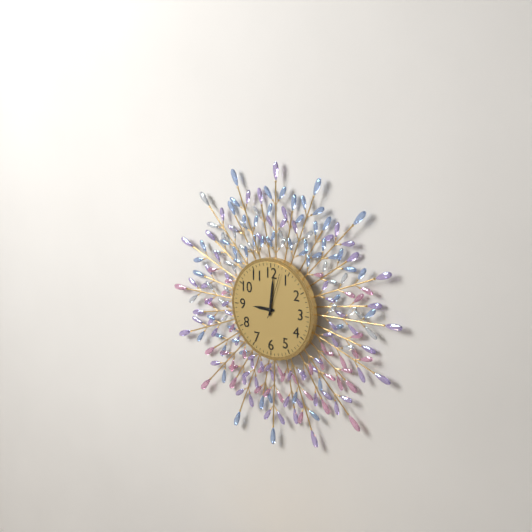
9:01
